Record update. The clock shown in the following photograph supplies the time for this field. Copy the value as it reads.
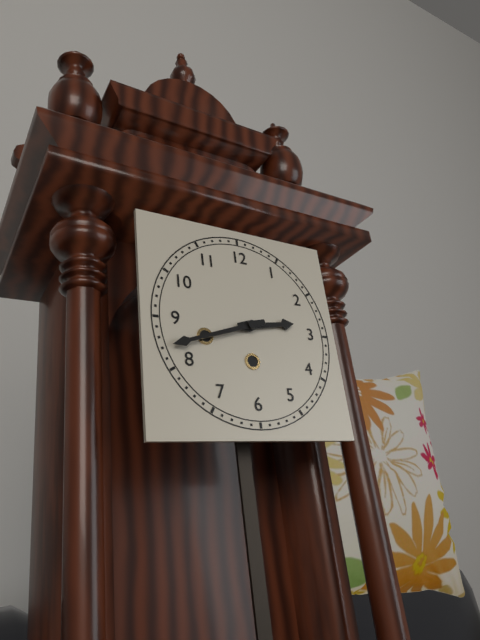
2:42
